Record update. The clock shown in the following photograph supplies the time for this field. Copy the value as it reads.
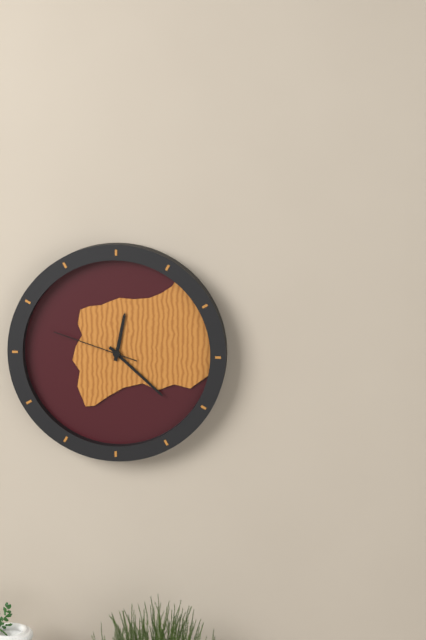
12:22:48
